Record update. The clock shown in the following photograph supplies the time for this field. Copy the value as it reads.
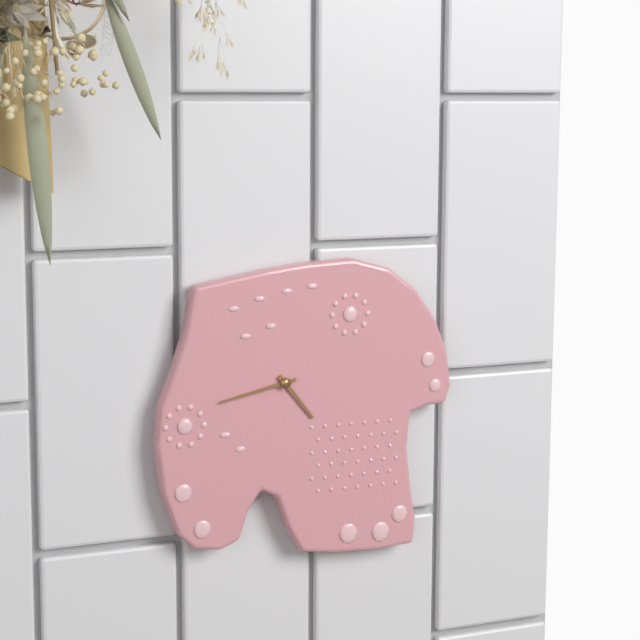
4:43
